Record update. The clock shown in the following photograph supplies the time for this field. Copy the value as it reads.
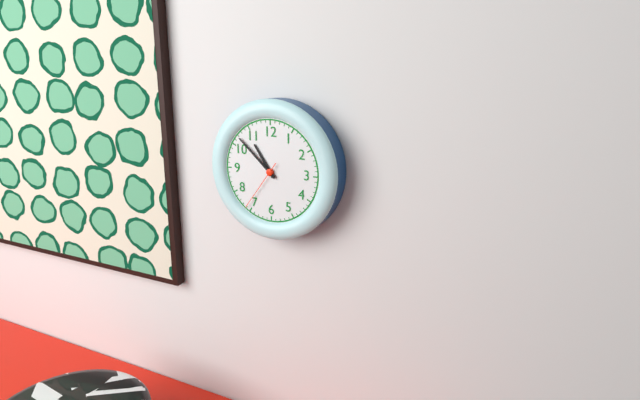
10:52:36
